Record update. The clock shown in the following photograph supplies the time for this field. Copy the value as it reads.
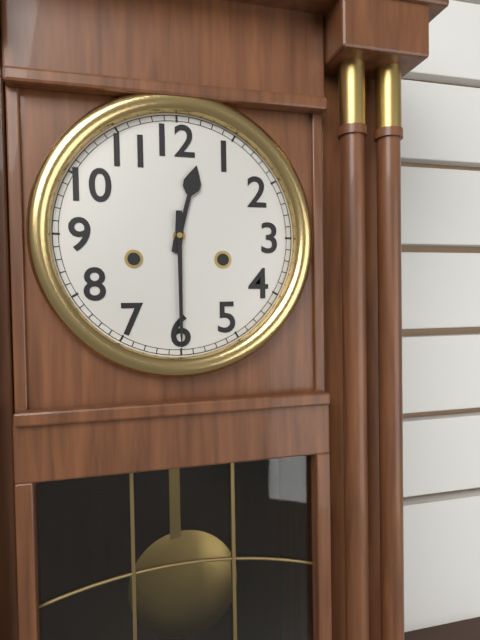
12:30
